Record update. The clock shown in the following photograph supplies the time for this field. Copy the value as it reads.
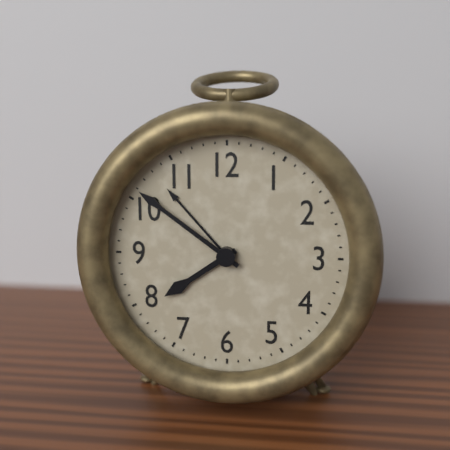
7:51
